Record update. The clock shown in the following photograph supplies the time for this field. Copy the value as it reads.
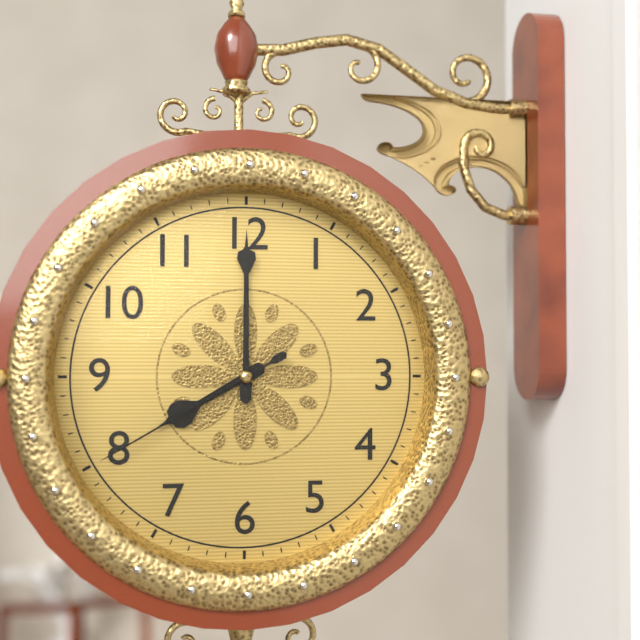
8:00:40
